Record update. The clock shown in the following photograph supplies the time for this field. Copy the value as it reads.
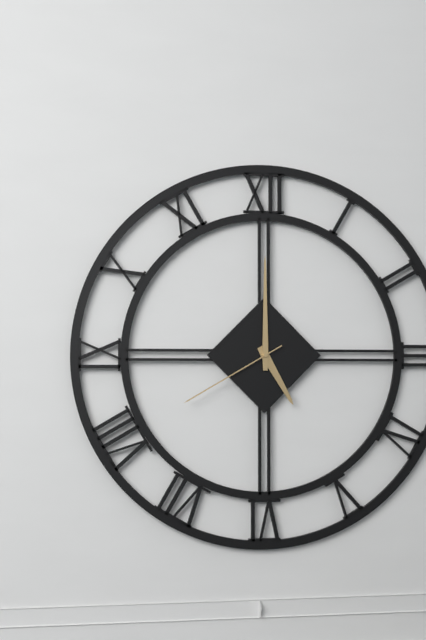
5:00:40
